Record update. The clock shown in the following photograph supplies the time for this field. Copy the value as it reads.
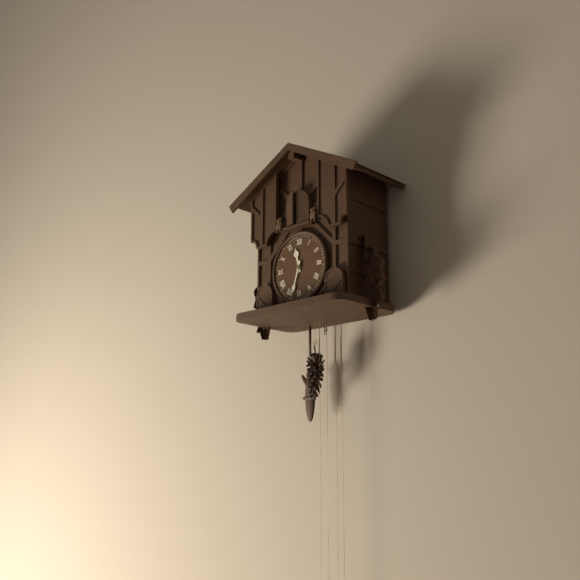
11:33
